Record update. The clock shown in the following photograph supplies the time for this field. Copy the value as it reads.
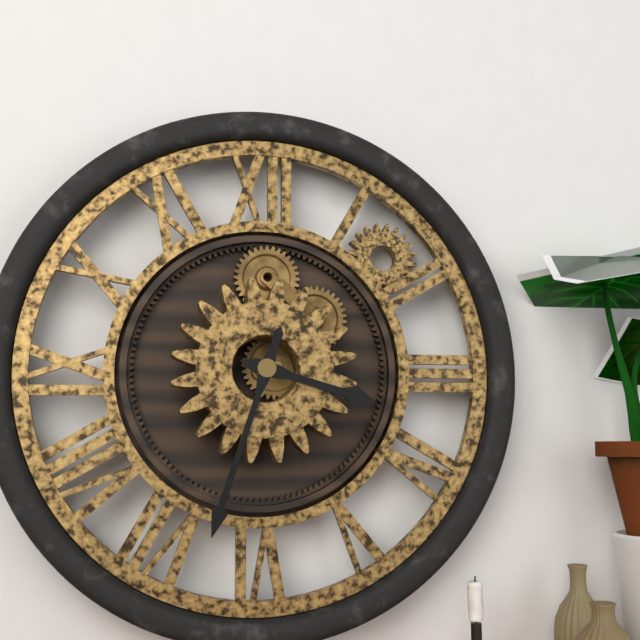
3:33
